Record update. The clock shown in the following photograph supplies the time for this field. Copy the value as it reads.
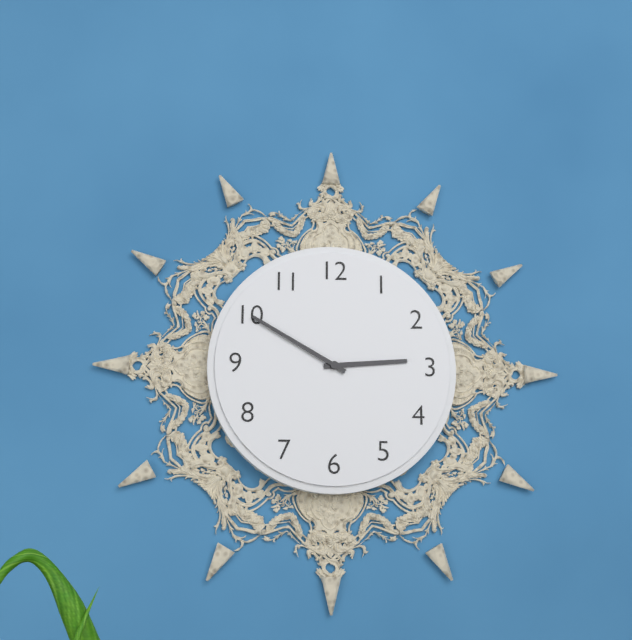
2:50
